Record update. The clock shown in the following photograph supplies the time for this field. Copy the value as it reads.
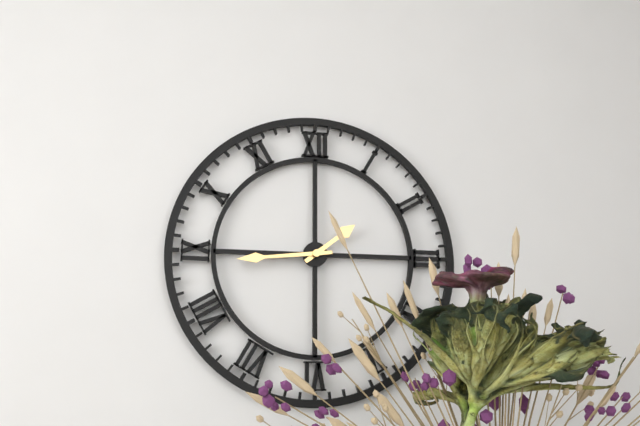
1:44
